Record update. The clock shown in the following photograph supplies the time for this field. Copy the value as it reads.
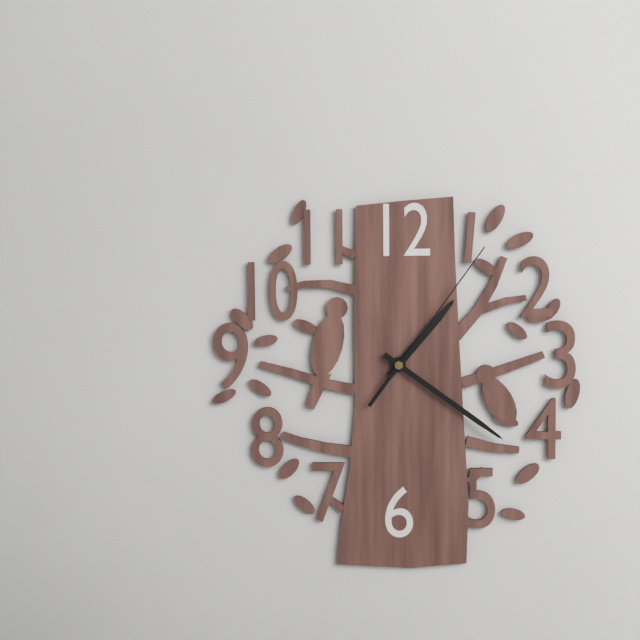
1:21:06
